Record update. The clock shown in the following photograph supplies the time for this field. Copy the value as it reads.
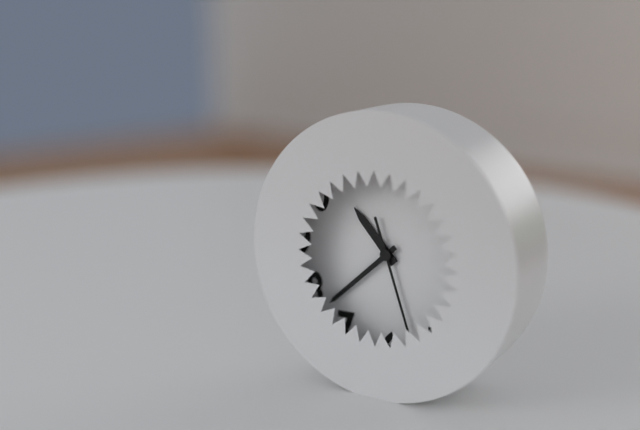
10:38:27
